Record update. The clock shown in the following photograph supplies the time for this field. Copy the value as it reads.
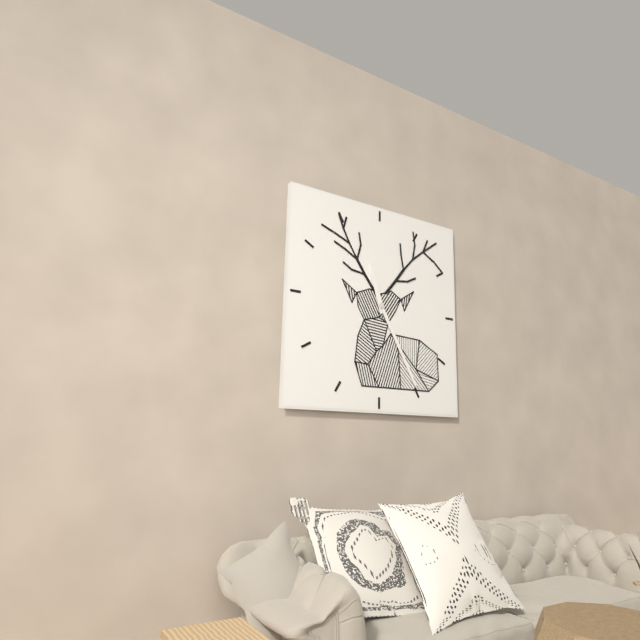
11:25
